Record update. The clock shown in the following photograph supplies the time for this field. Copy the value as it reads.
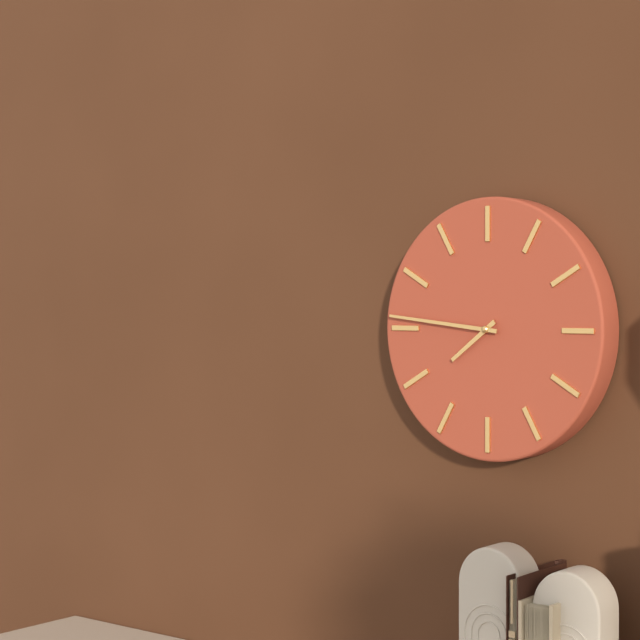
7:46
